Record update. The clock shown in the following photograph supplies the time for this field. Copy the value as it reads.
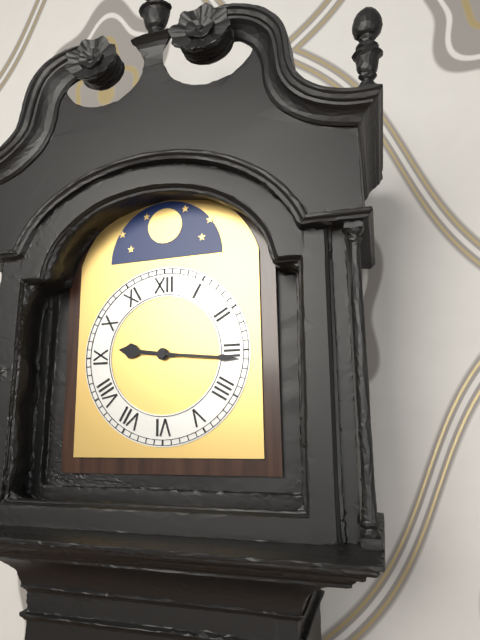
9:16
